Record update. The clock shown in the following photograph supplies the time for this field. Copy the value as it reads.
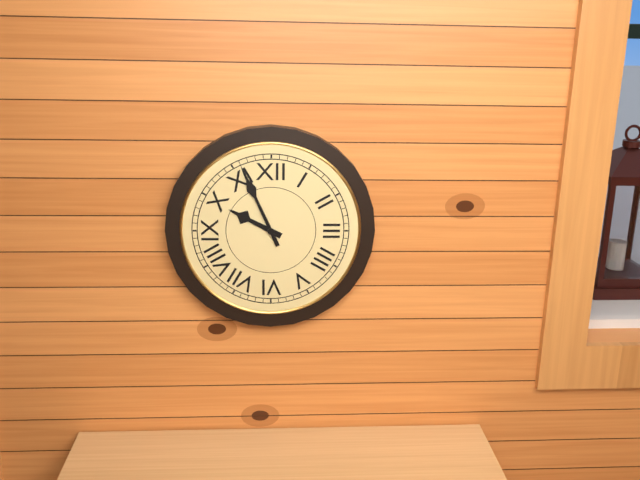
9:56
